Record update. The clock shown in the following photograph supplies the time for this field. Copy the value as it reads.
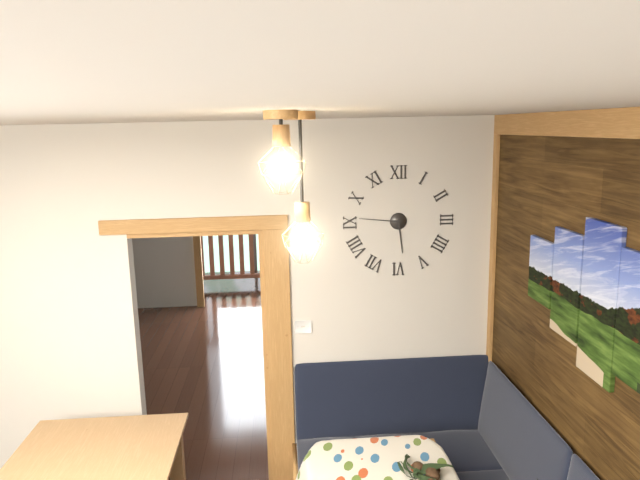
5:46
